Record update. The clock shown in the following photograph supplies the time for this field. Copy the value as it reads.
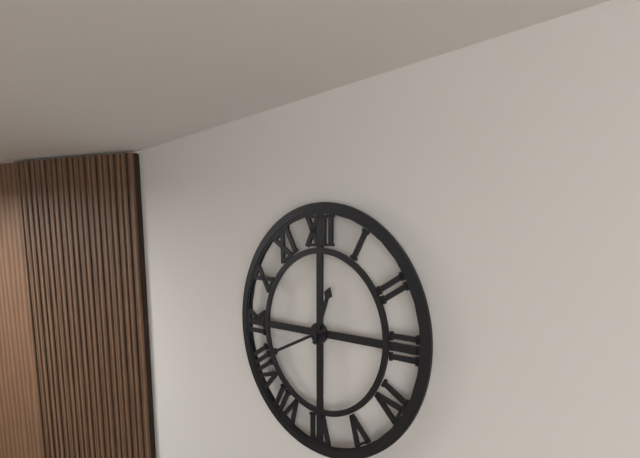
12:41
